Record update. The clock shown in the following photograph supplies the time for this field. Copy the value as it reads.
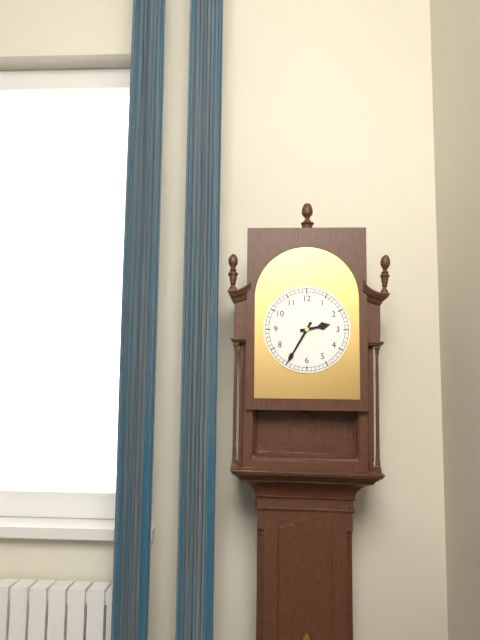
2:35
